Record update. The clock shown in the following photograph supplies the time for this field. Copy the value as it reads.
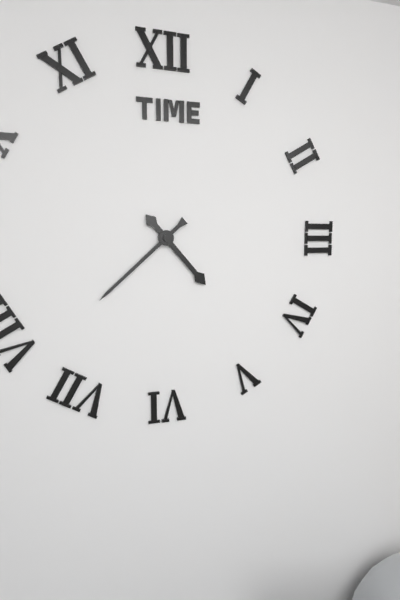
4:38
